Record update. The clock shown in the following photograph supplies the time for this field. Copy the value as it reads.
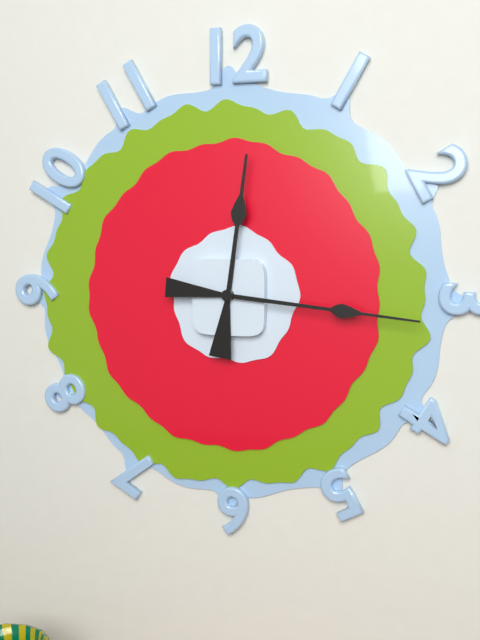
12:16
